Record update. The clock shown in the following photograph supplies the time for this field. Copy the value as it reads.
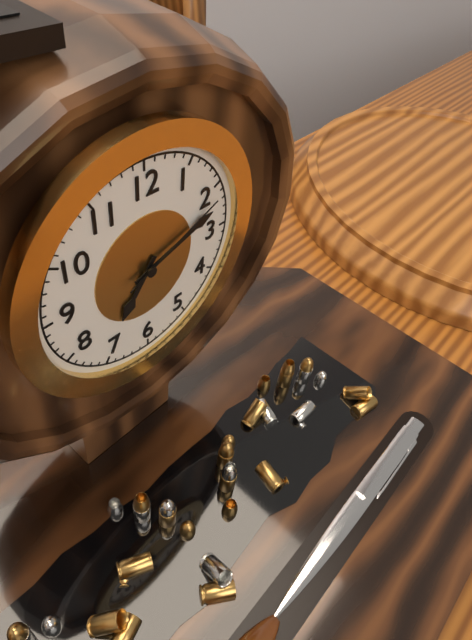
7:12:11
